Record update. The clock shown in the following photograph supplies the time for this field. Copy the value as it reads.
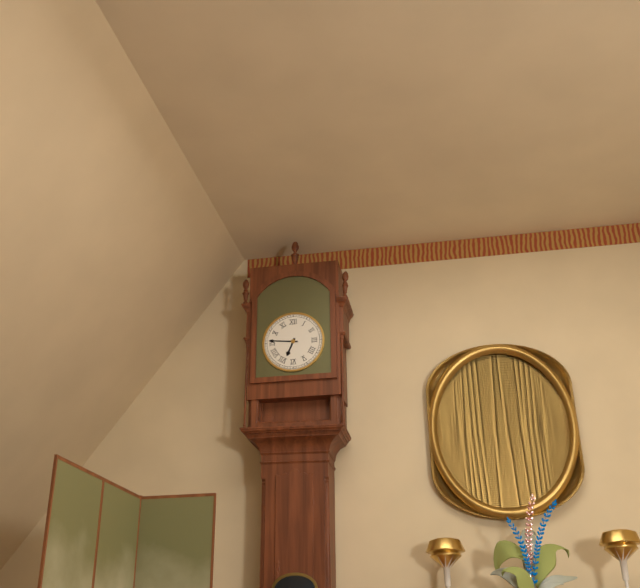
6:46
